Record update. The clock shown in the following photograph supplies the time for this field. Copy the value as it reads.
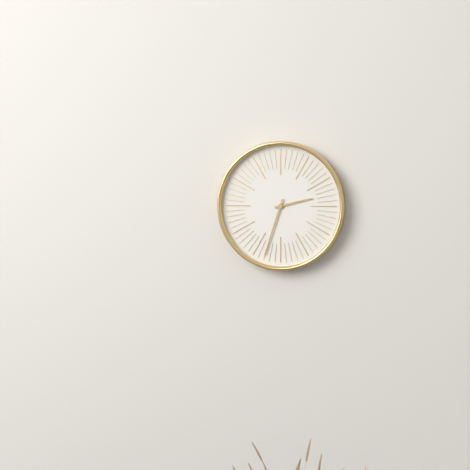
2:33
